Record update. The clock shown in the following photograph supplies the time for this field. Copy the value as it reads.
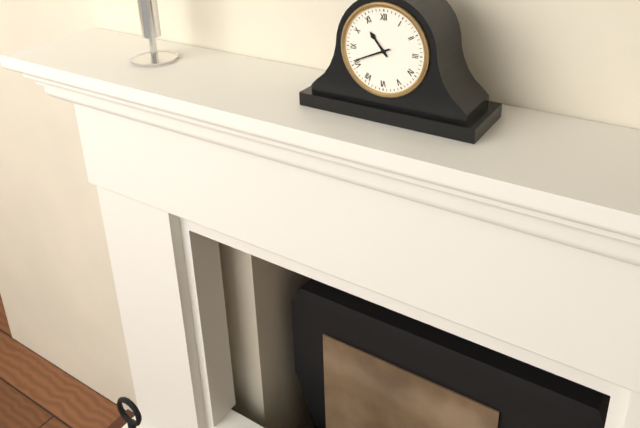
10:41
